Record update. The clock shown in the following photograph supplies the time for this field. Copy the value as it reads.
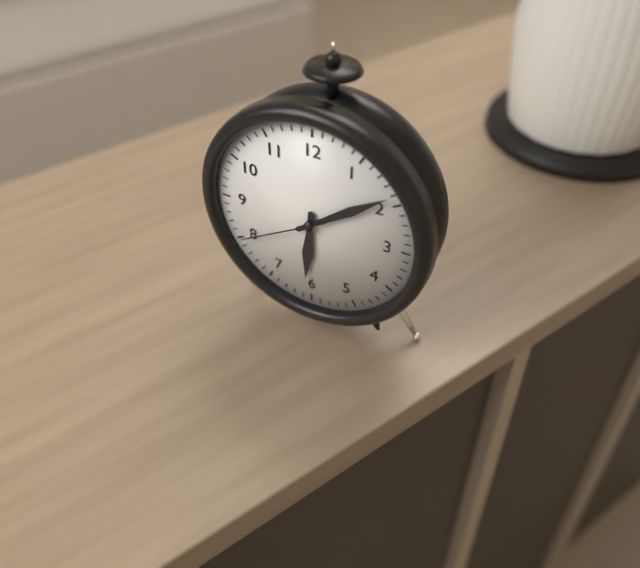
6:09:40
